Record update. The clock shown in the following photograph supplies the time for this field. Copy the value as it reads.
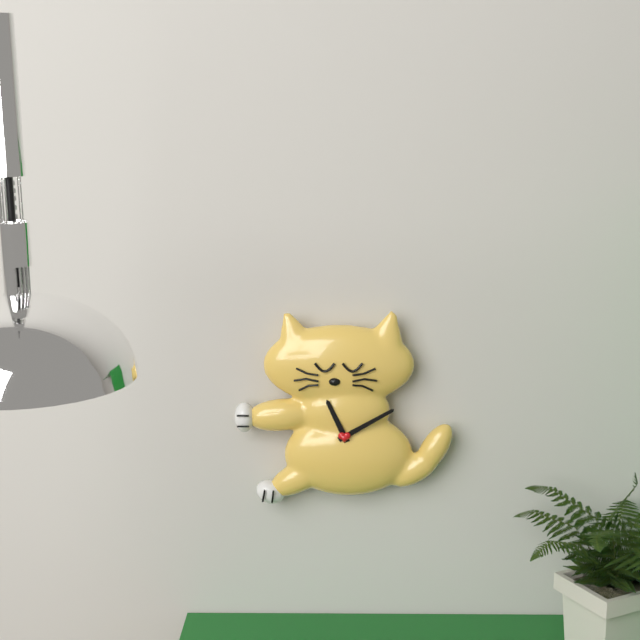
11:10
